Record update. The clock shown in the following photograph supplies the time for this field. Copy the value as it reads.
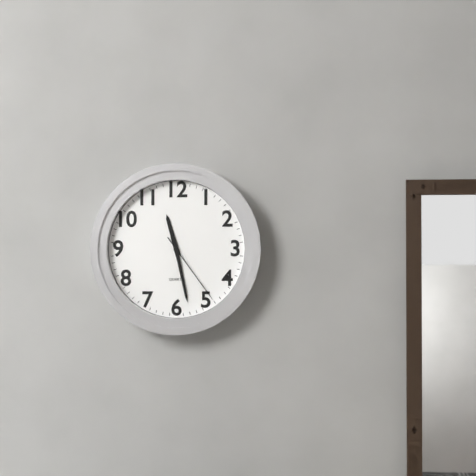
11:28:24
